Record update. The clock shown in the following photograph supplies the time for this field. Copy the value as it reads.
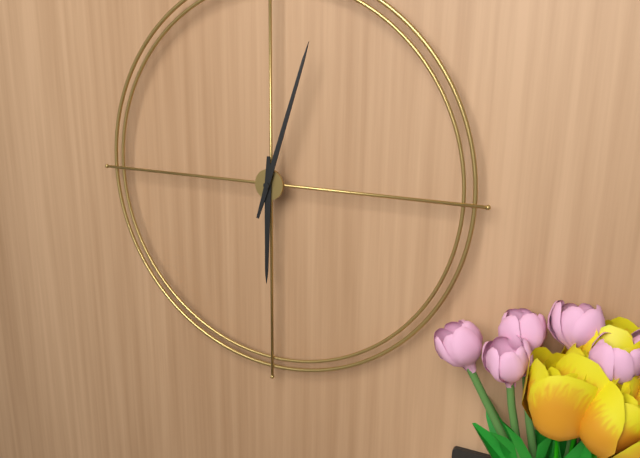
6:03
